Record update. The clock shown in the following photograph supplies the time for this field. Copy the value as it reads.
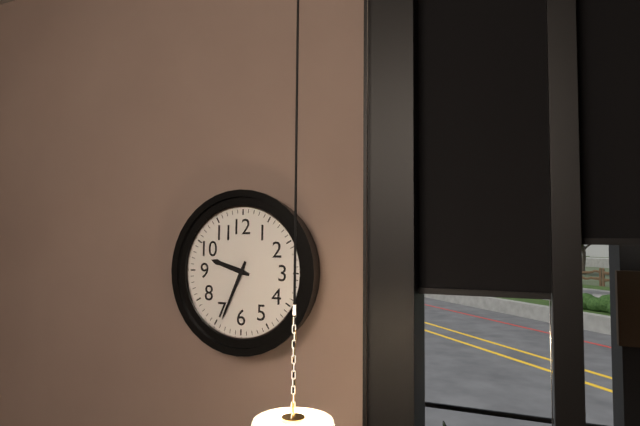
9:34
